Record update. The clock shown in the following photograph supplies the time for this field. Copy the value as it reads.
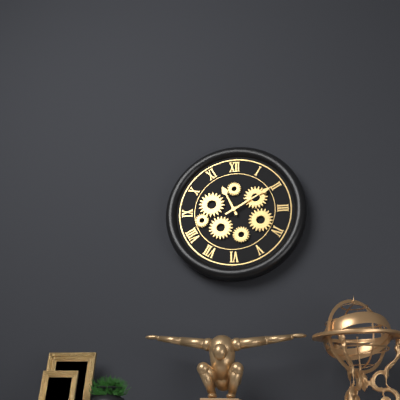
11:10
